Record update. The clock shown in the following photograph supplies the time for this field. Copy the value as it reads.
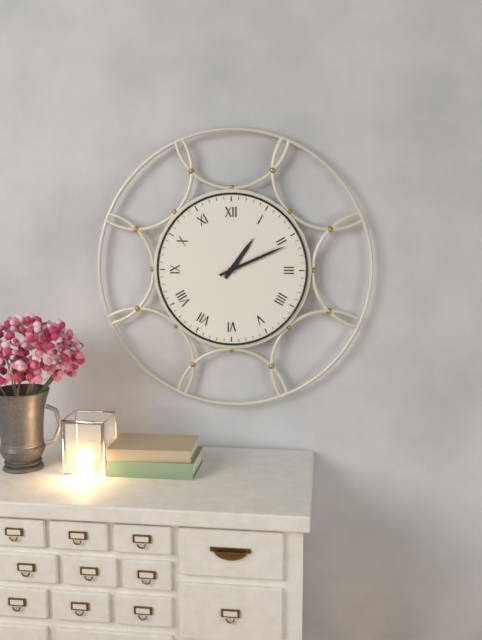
1:11
